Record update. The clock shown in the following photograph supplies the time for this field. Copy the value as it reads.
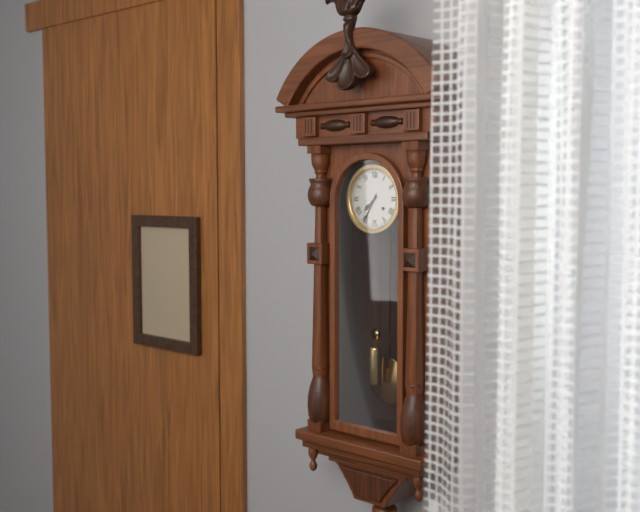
7:35
